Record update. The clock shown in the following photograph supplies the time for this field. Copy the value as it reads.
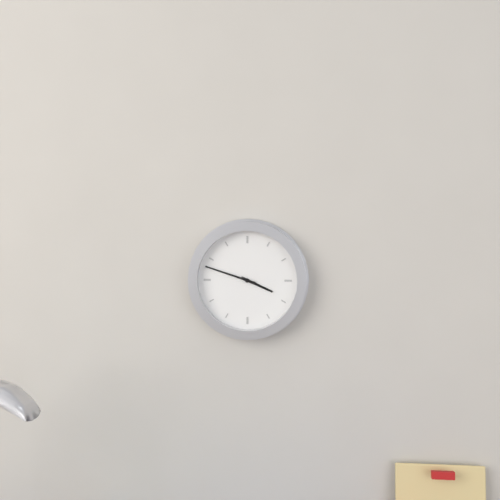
3:48
